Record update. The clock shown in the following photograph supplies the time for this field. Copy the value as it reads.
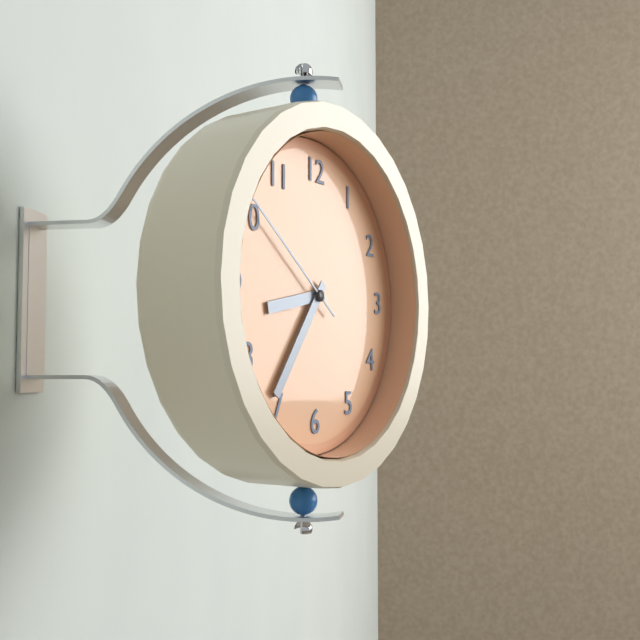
8:36:51
